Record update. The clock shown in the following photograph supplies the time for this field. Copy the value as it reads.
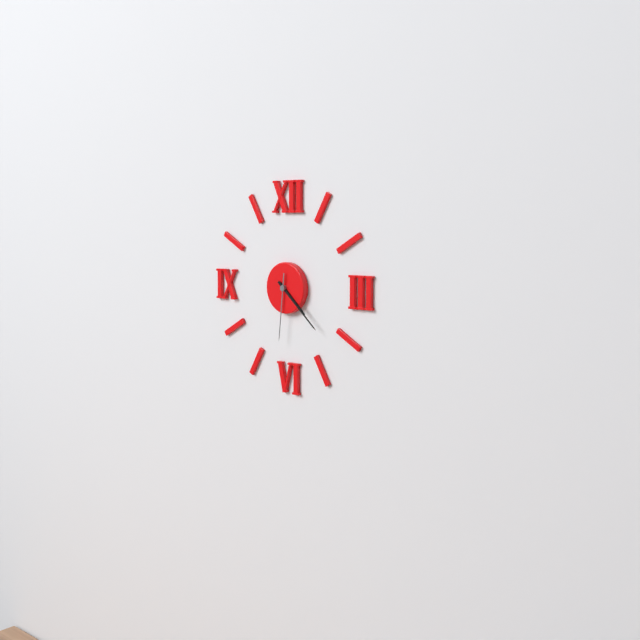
4:22:31
